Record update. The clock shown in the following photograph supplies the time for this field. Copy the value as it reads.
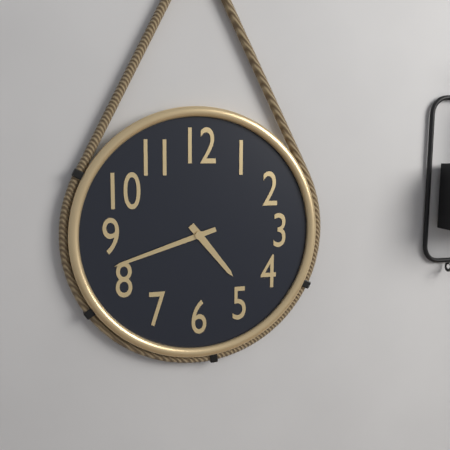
4:42
